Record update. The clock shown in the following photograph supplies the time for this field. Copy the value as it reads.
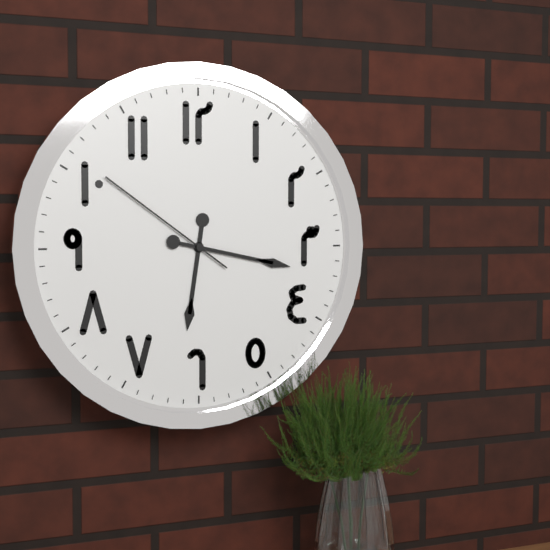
6:17:51
